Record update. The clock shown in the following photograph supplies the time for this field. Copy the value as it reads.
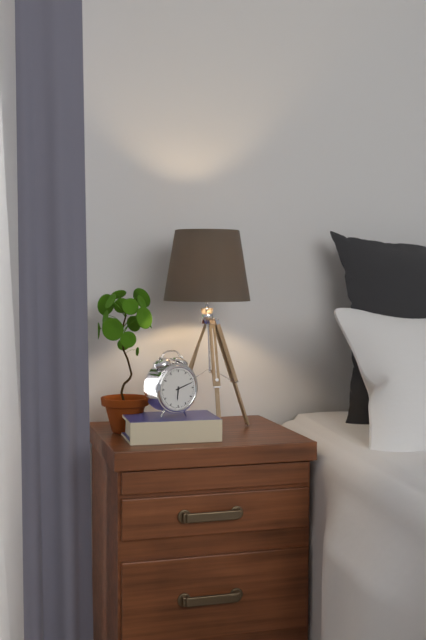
6:12
